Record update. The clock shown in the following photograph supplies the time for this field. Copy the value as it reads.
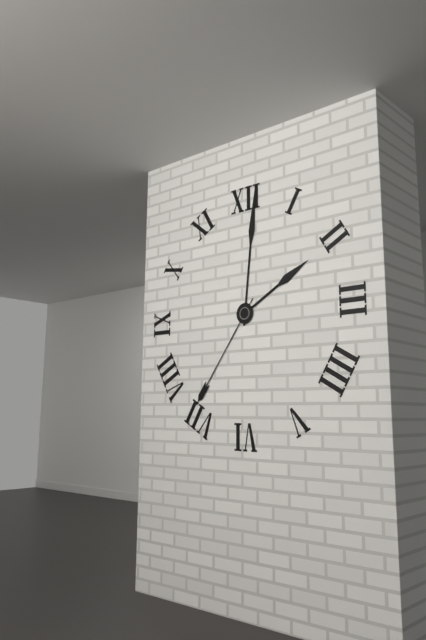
2:01:36
